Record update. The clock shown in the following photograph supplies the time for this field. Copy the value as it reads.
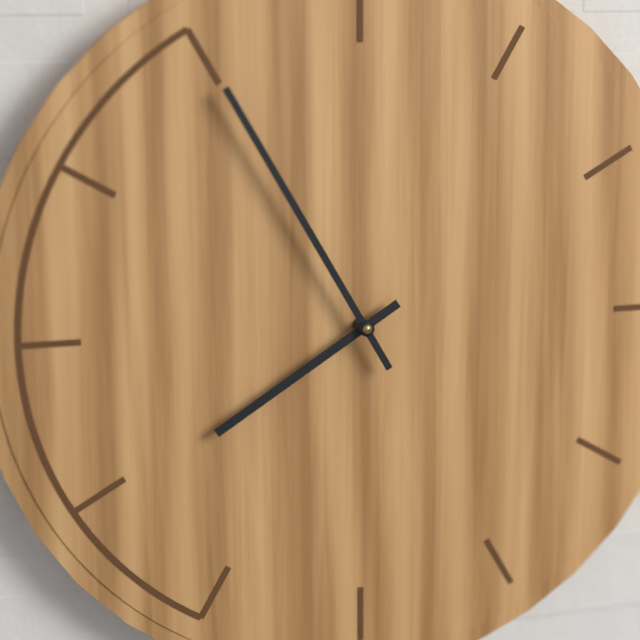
7:55
